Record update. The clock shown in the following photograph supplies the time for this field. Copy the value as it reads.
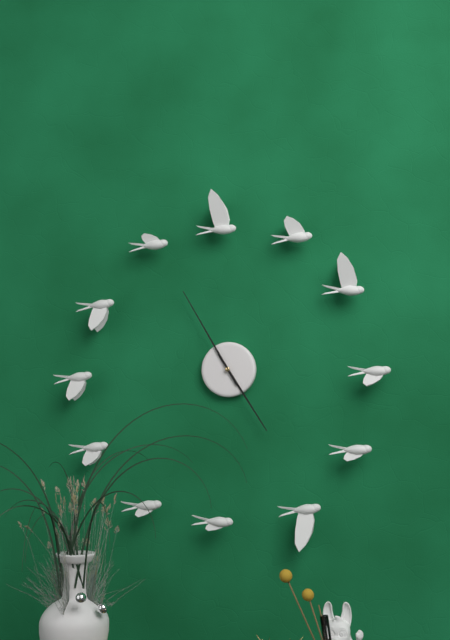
4:55
